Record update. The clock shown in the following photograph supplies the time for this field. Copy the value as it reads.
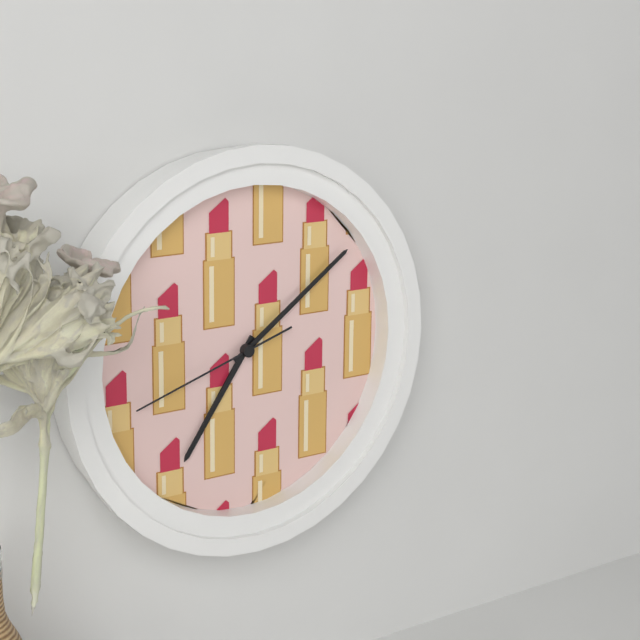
7:09:42
